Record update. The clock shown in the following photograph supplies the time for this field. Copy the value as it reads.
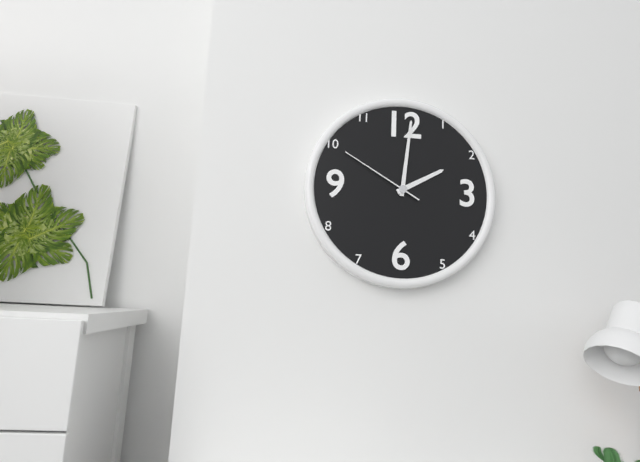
2:01:50
